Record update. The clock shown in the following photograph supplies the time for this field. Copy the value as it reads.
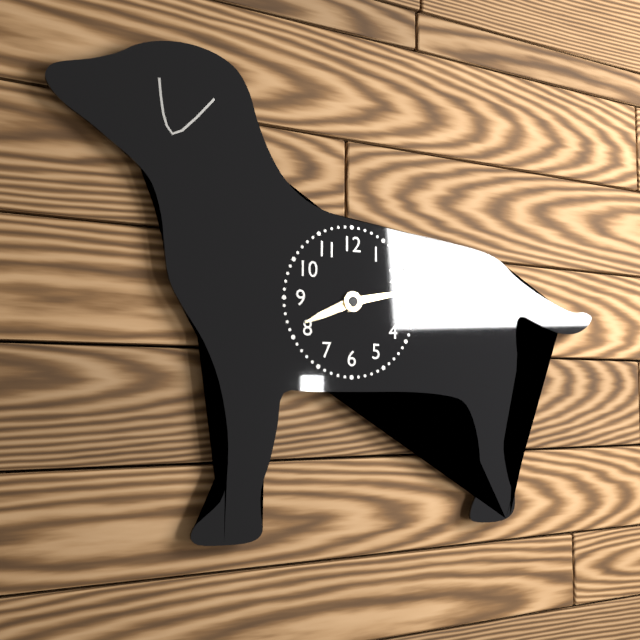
8:13
